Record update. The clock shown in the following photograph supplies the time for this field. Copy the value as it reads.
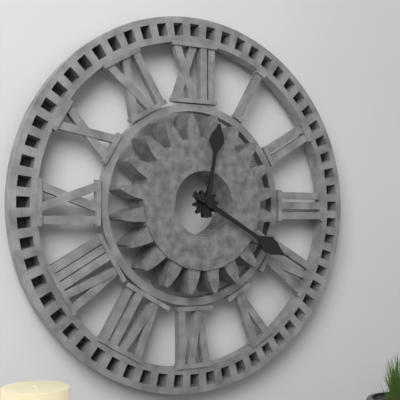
12:20
